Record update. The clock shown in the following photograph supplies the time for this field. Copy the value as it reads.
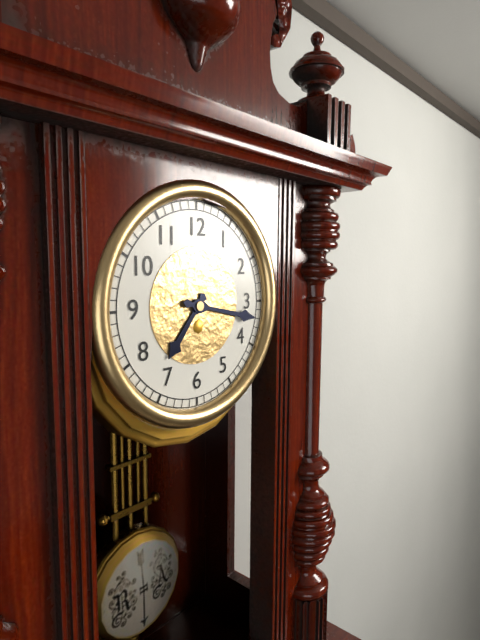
7:17
